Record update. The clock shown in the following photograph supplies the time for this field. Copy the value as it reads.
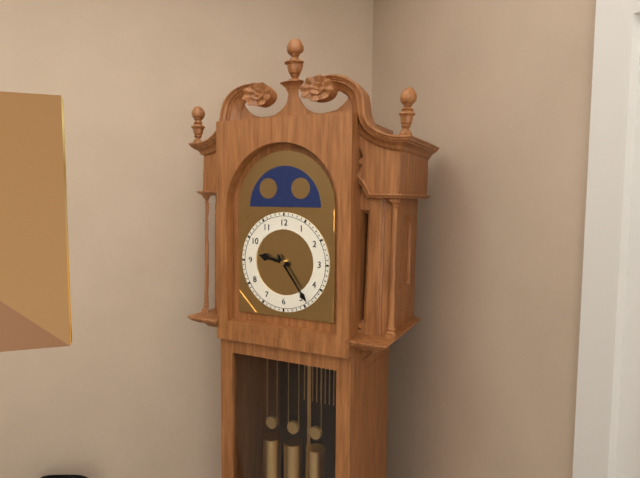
9:24
